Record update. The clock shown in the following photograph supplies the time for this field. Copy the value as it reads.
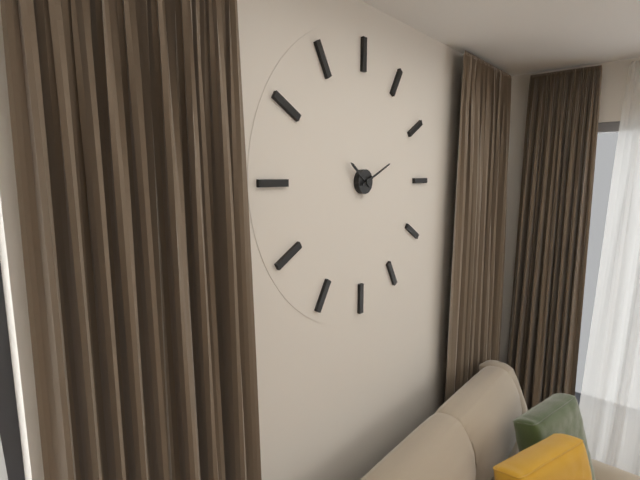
10:11
